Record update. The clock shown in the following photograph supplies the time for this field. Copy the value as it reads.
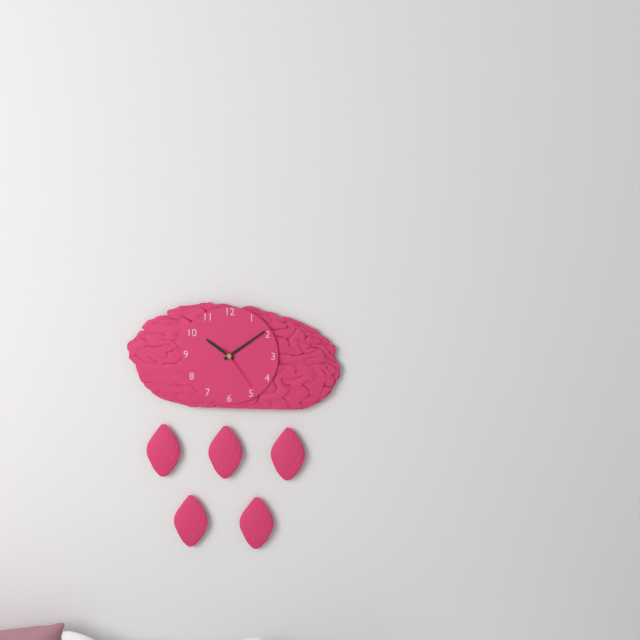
10:09
